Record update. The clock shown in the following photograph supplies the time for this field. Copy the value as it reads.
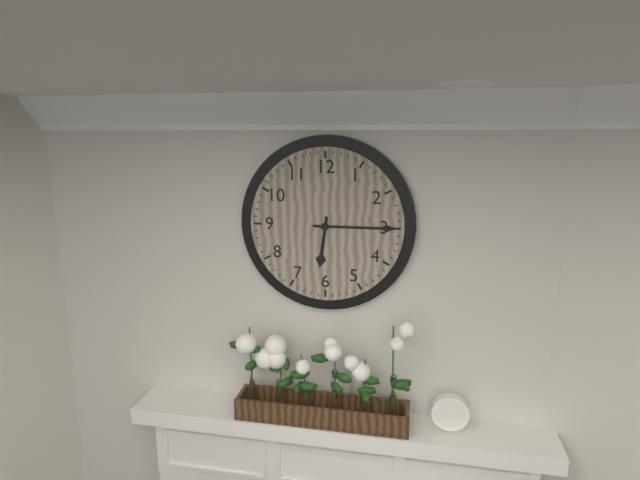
6:15
